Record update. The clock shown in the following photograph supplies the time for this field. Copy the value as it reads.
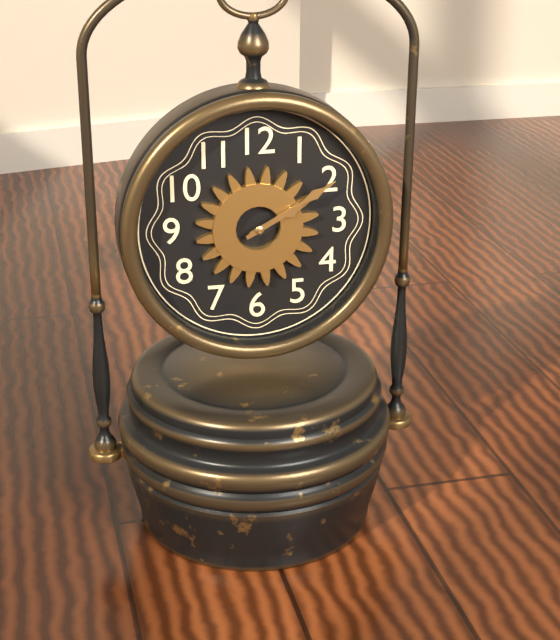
2:10
